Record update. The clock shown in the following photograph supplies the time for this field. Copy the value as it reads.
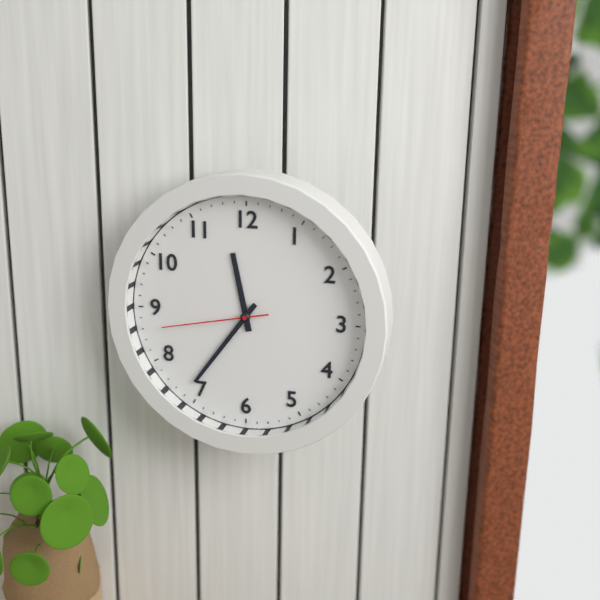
11:36:43
